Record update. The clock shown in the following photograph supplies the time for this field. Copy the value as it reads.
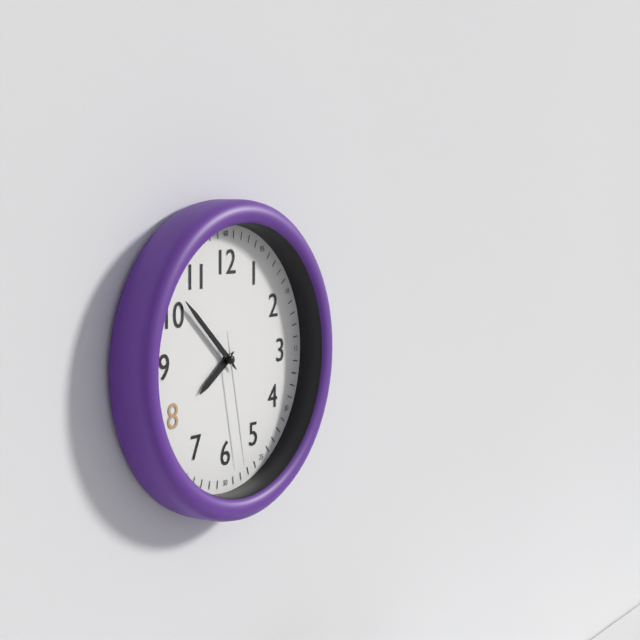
7:52:28
